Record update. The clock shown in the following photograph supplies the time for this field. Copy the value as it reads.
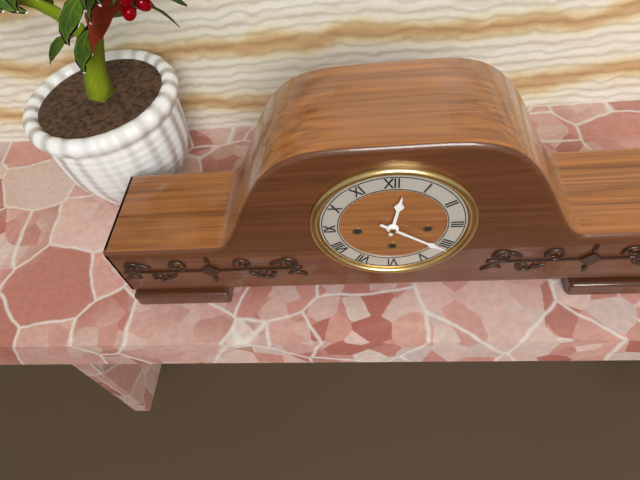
12:21
